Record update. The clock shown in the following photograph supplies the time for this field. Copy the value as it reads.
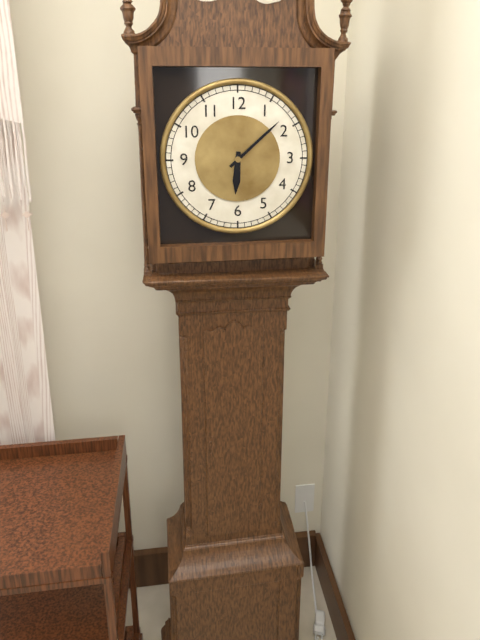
6:08
